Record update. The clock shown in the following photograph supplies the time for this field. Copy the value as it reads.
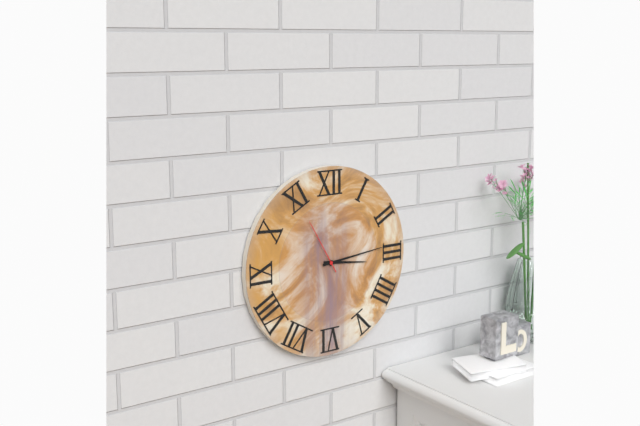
3:14:55
